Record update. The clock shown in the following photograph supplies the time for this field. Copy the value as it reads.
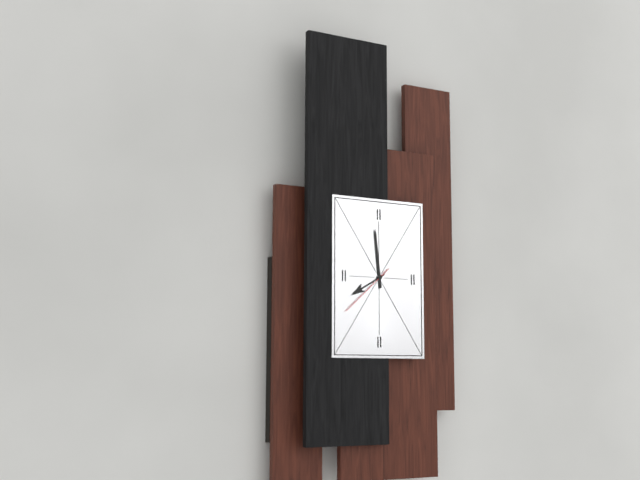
7:59
